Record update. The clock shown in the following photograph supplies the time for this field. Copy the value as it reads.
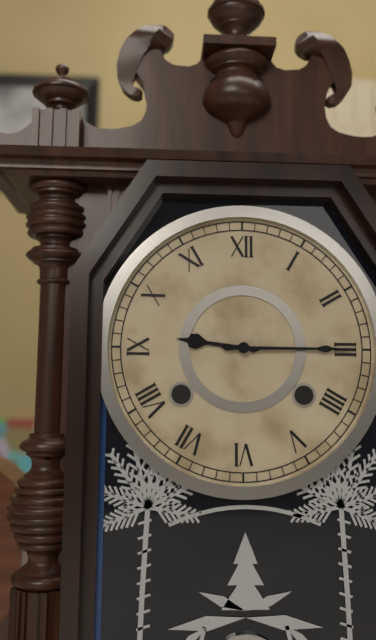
9:15
